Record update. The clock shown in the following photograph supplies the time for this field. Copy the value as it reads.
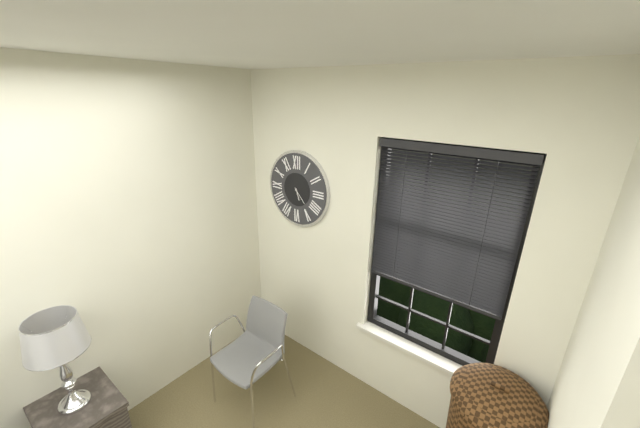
5:23
